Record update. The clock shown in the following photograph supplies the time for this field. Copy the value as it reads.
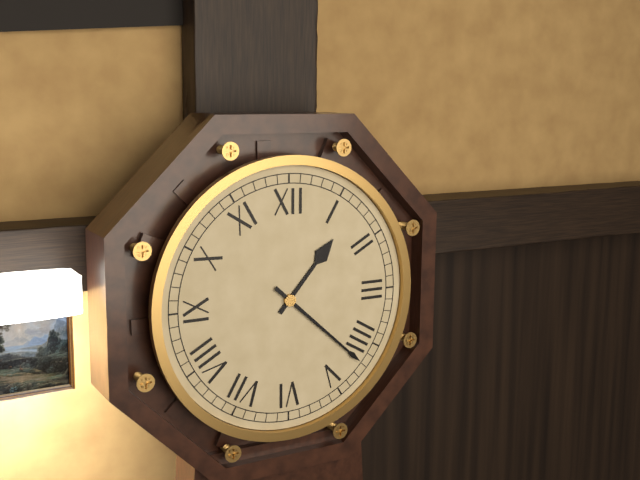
1:22
